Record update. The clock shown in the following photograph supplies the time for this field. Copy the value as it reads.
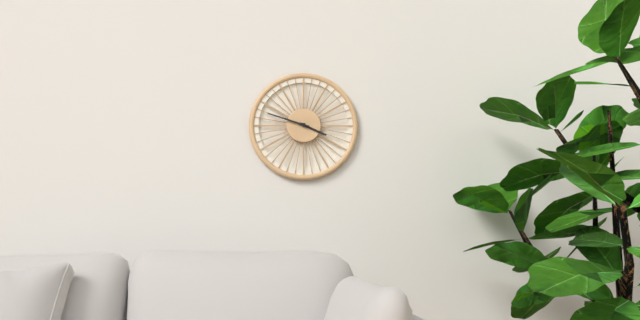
3:48
